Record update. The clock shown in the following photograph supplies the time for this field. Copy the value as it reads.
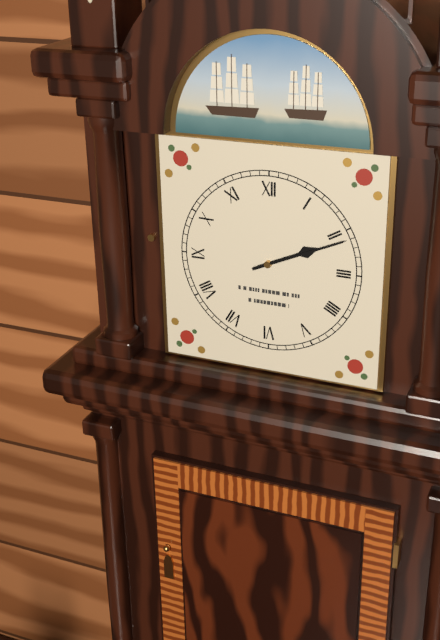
2:11
